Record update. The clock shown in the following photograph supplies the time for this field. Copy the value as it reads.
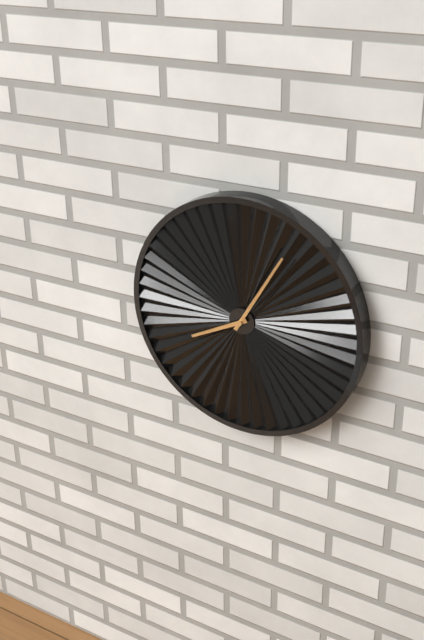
8:05
